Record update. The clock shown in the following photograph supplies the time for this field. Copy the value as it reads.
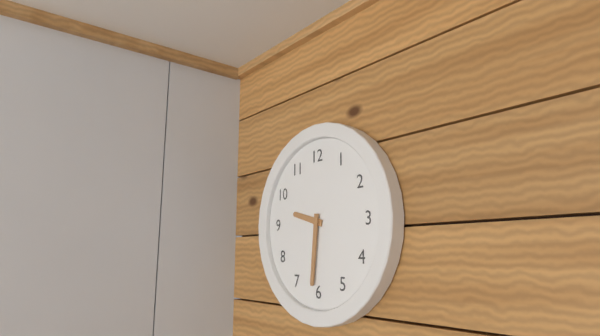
9:31
